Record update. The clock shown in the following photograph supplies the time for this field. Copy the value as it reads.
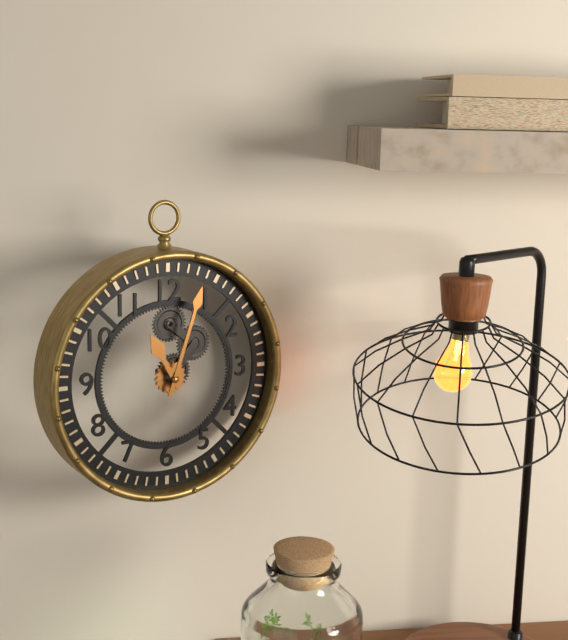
11:03
